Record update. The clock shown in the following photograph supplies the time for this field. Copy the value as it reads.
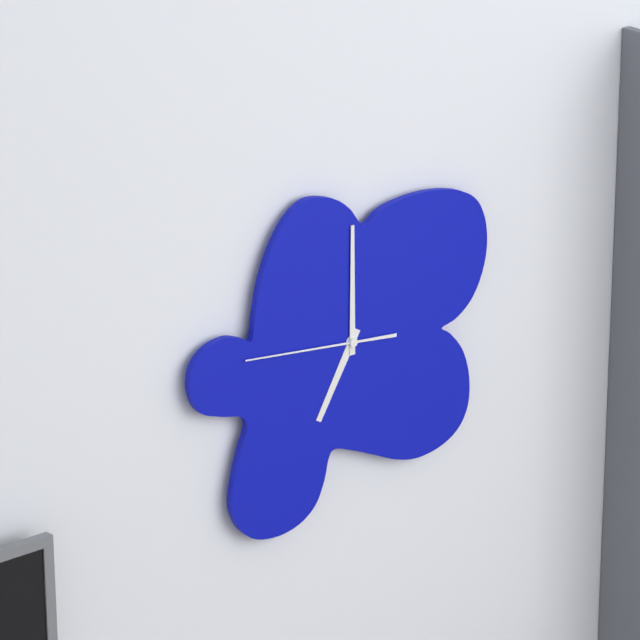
7:00:46
